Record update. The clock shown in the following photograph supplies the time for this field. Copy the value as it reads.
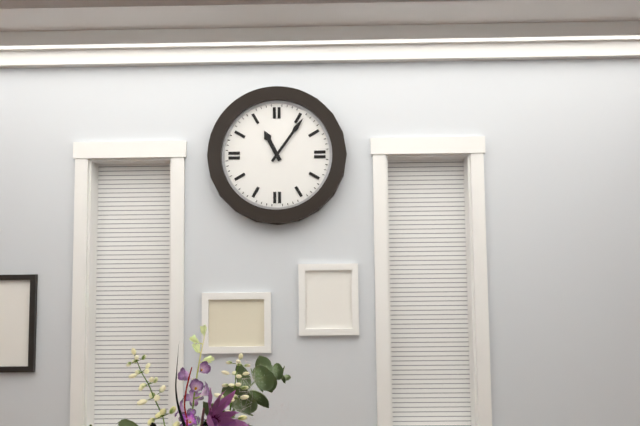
11:06
